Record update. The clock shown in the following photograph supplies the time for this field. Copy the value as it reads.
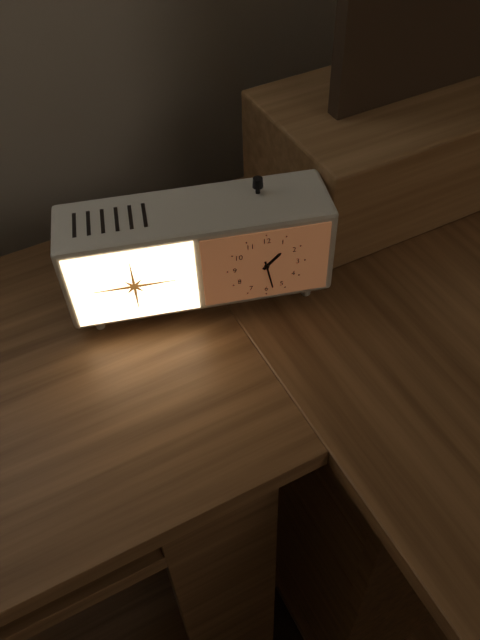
1:28
